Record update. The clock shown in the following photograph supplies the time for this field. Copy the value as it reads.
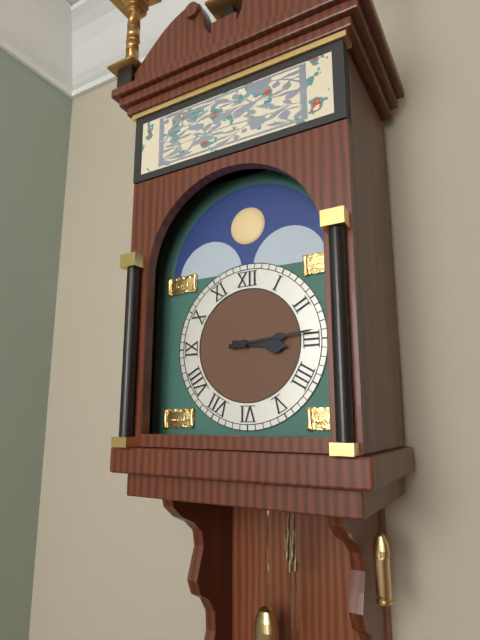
3:14
